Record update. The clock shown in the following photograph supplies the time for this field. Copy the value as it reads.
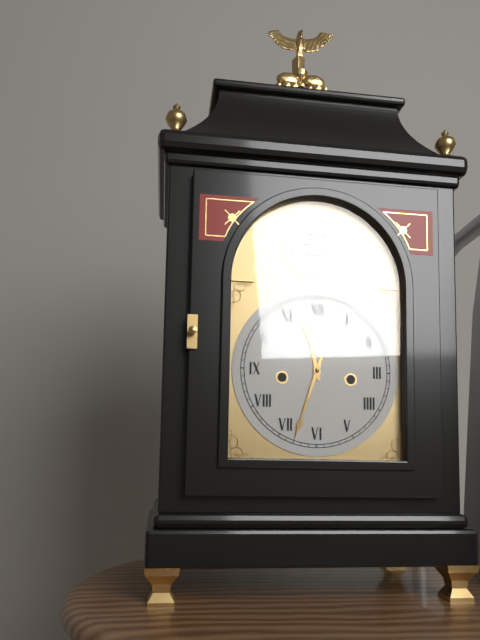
11:33
